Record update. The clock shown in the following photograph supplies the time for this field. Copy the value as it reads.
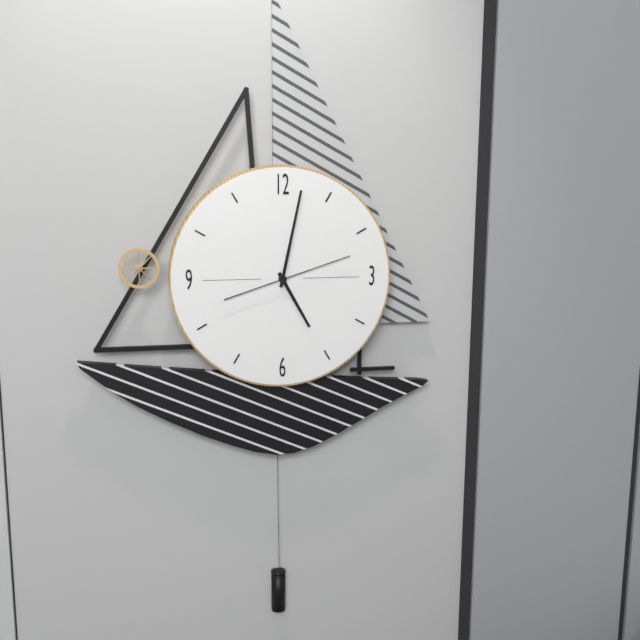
5:02:12
